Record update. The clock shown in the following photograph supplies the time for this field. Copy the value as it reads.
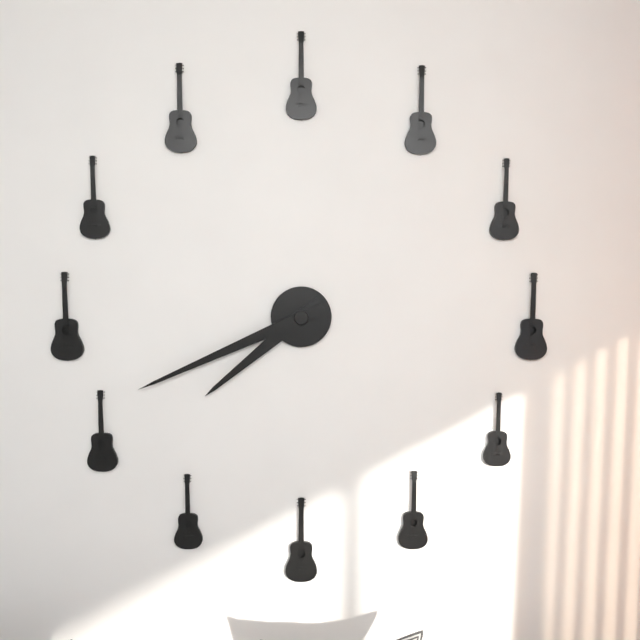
7:41
